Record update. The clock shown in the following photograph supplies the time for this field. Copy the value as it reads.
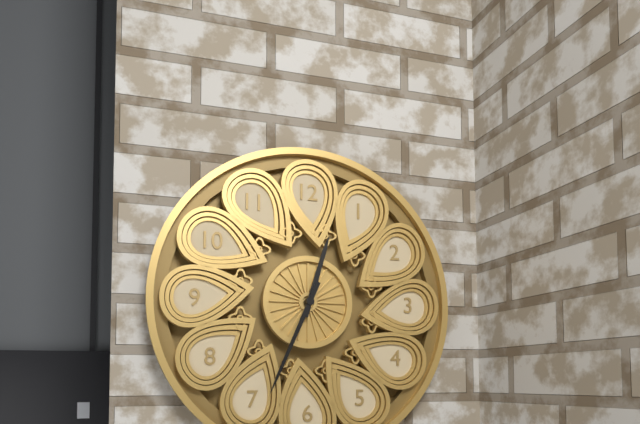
12:34
